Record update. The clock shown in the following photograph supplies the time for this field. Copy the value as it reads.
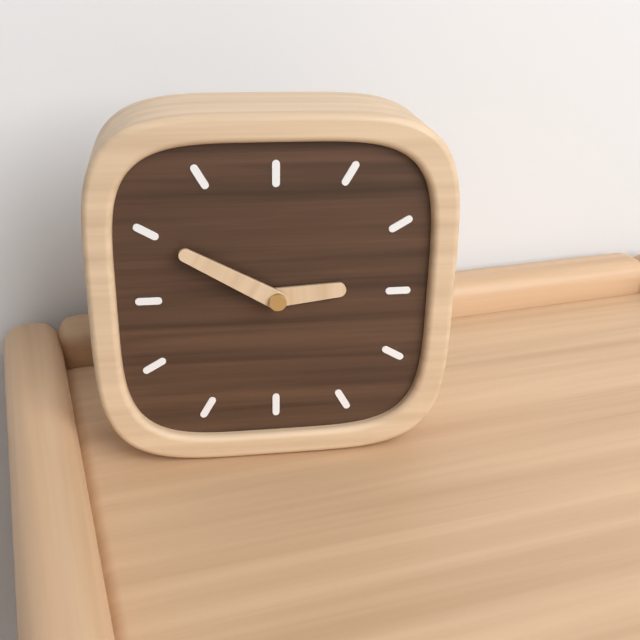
2:50
